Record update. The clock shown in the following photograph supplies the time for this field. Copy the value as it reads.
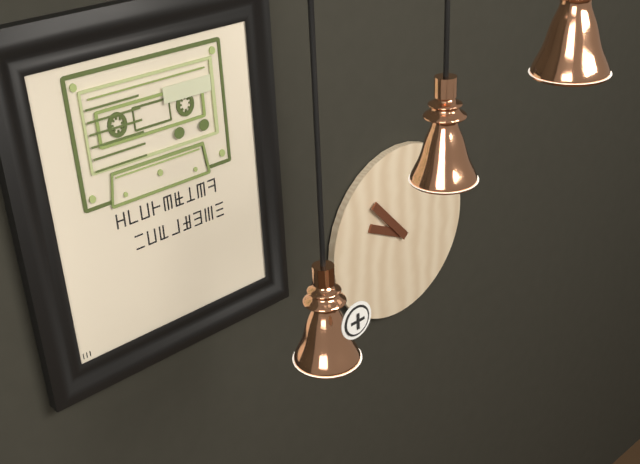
9:53
